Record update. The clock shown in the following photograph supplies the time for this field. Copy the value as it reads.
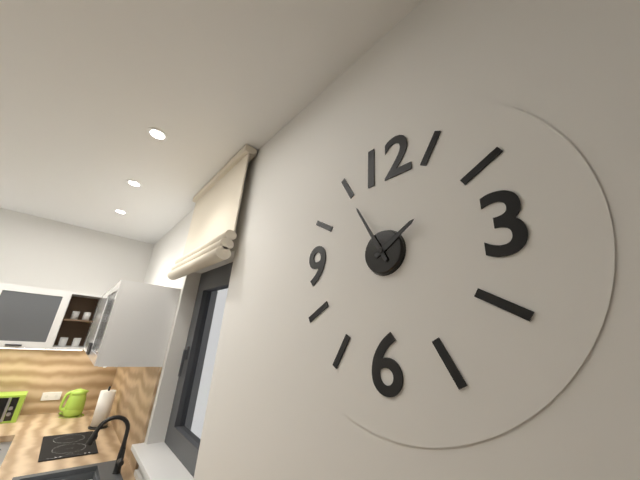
1:55
